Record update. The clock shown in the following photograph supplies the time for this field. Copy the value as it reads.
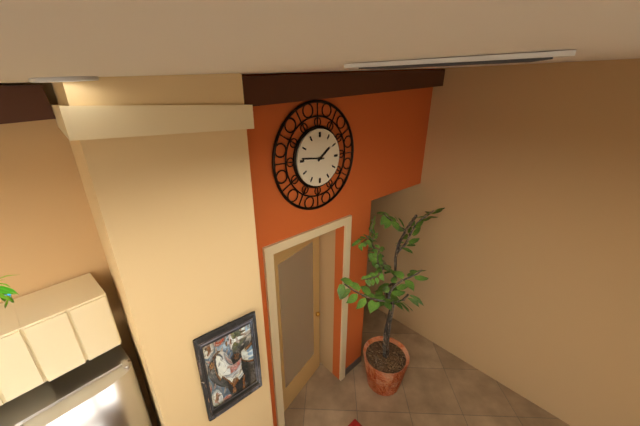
1:46
